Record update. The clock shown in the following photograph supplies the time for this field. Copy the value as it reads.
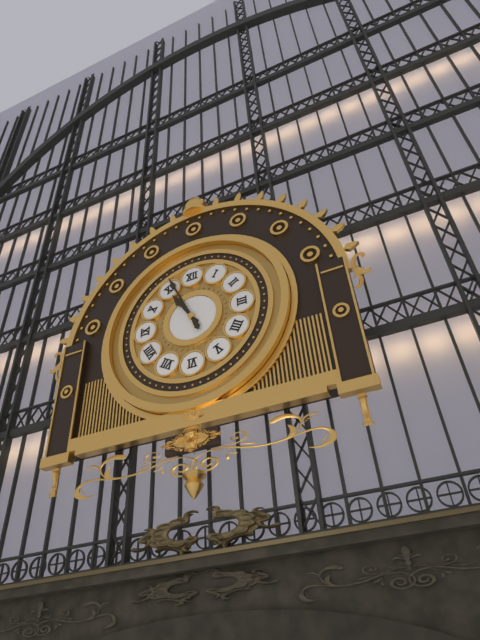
10:56
